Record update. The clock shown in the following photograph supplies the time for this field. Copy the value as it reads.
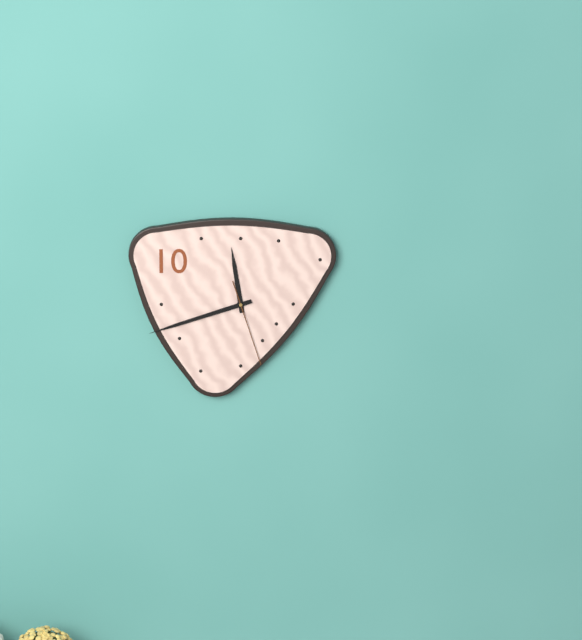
11:42:27
